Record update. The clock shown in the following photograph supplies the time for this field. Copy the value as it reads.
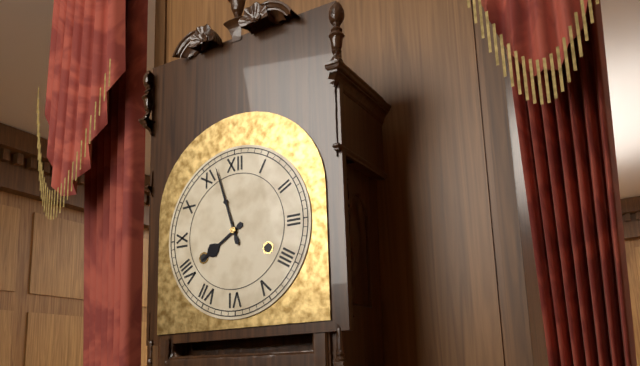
7:57
